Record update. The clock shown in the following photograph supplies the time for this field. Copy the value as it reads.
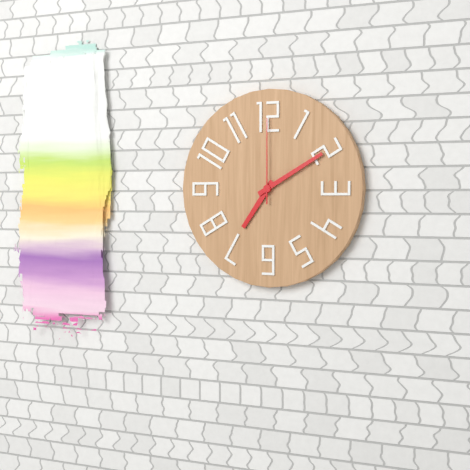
7:10:00
